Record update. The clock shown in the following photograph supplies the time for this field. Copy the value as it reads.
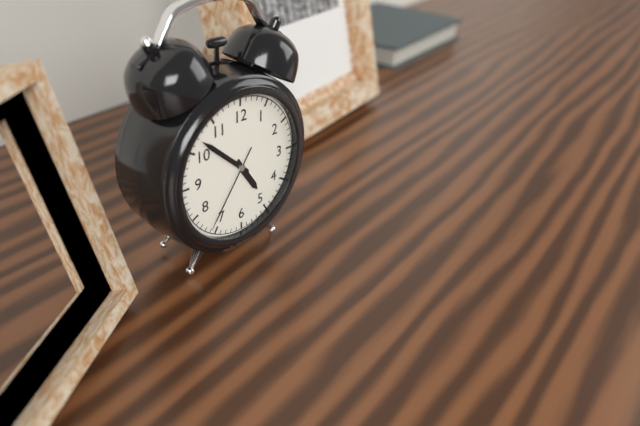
4:52:36
